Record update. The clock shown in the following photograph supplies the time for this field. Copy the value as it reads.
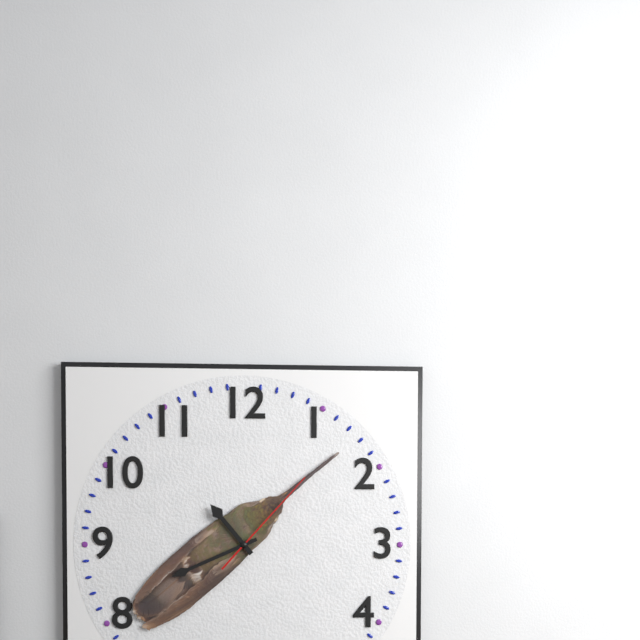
10:41:07
